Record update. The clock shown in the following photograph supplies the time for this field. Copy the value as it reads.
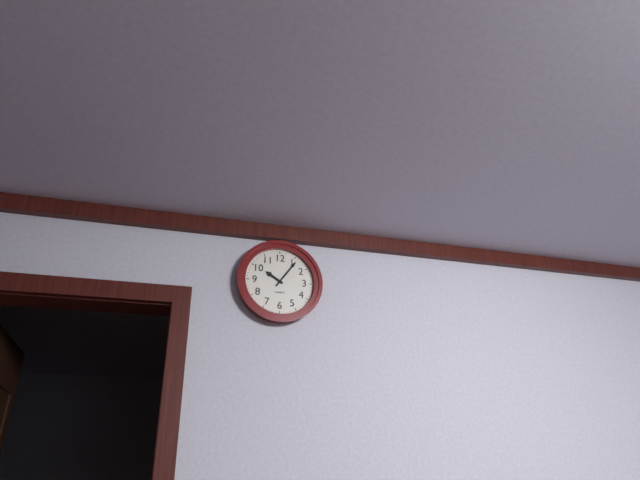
10:06
